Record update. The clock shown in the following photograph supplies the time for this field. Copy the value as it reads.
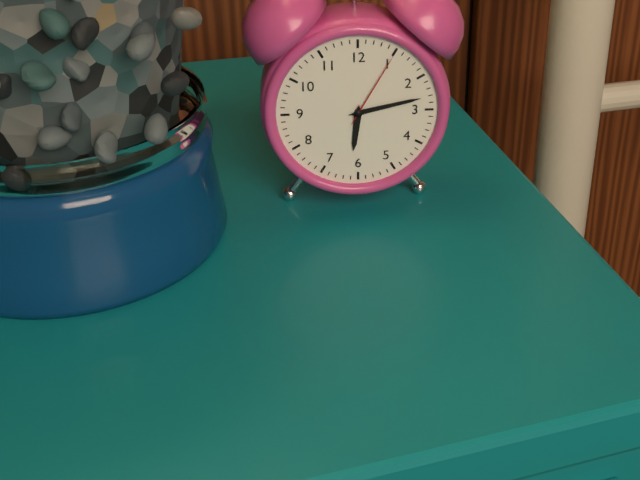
6:13:05
